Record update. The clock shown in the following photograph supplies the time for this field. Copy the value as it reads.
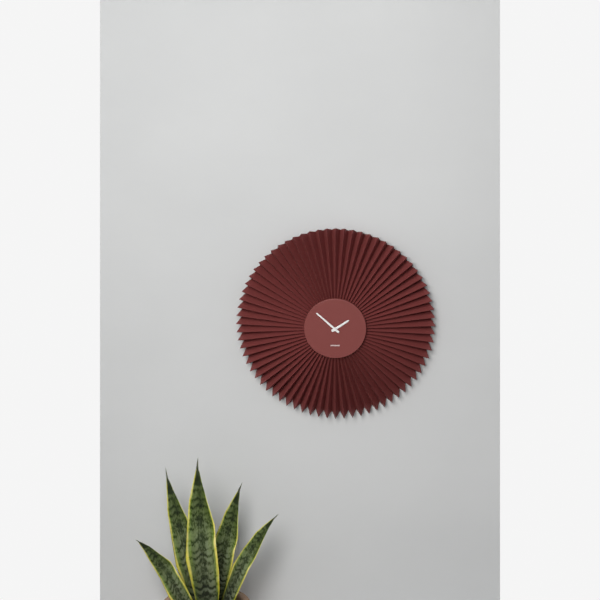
1:52
